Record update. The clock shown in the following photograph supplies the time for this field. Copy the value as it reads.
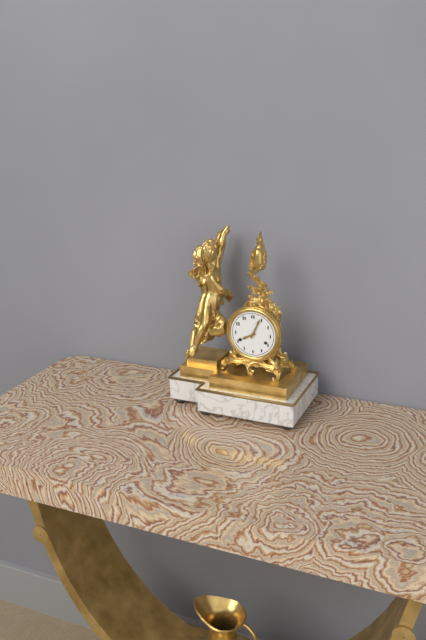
8:04
